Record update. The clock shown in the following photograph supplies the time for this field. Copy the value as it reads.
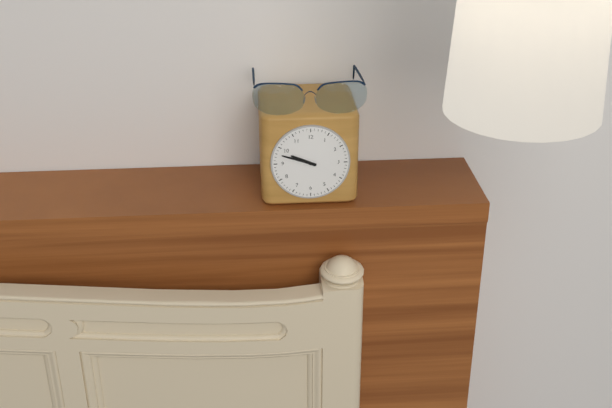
9:48
